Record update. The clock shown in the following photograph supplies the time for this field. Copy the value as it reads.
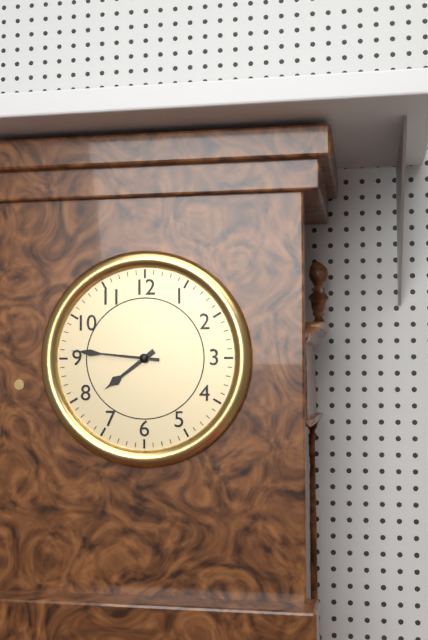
7:46
